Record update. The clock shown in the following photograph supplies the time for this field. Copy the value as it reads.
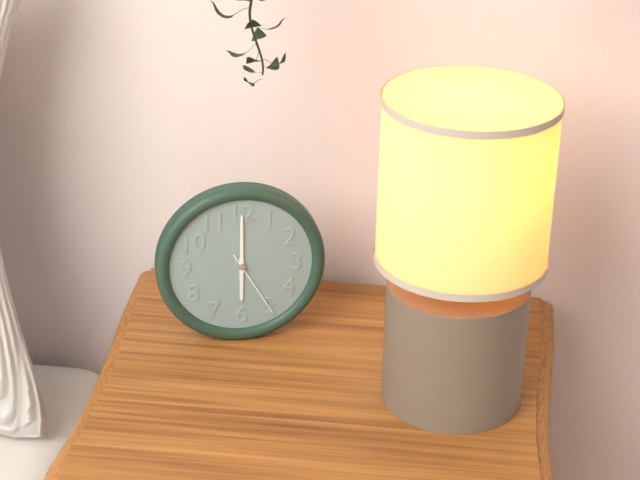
6:00:25
